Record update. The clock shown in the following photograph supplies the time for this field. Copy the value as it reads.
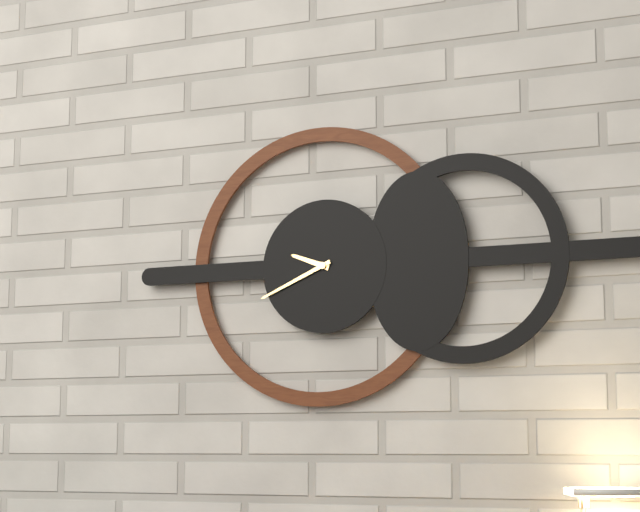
9:41
